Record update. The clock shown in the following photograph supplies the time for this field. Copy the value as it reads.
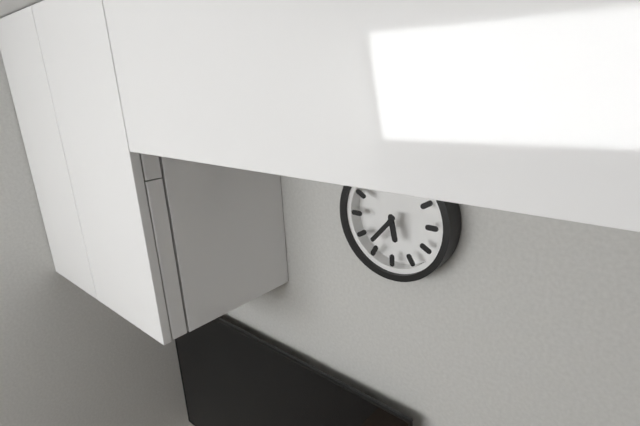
5:37
